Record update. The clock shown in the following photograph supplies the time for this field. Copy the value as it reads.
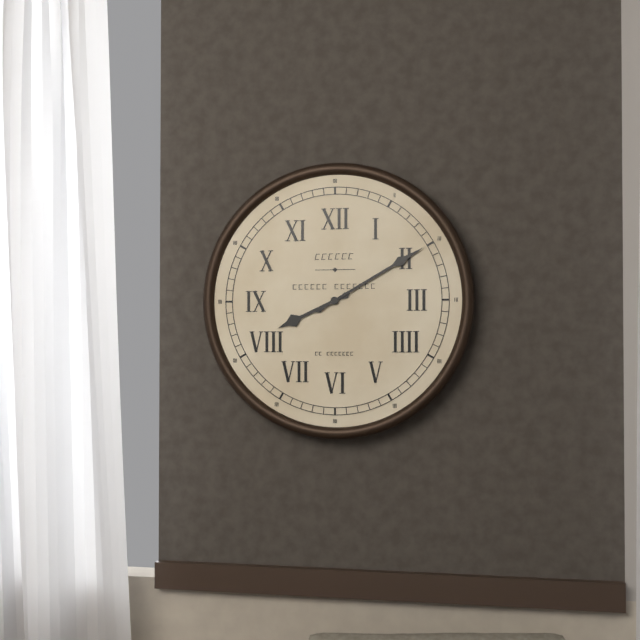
8:10
